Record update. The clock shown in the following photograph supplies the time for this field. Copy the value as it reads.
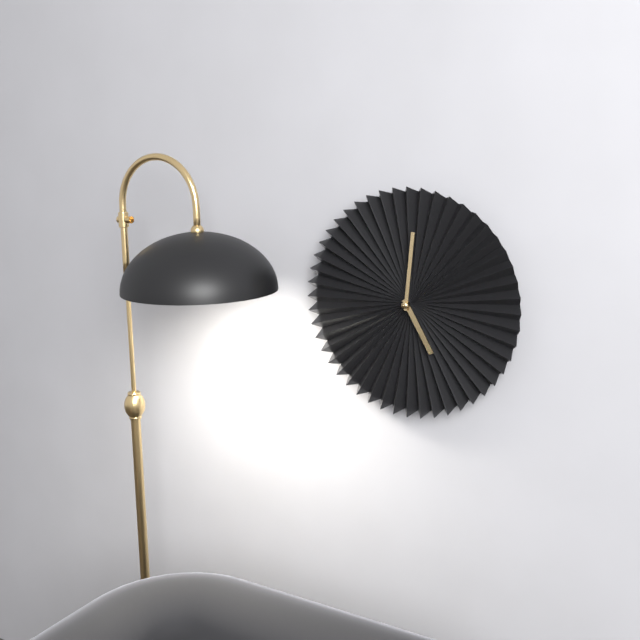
5:01
